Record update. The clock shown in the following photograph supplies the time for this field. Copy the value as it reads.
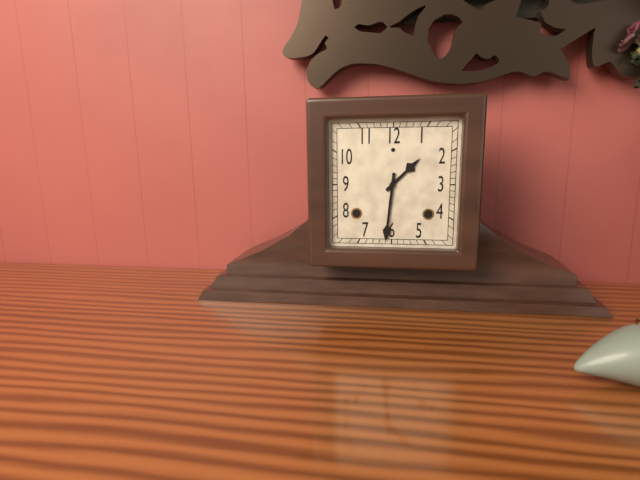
1:31
